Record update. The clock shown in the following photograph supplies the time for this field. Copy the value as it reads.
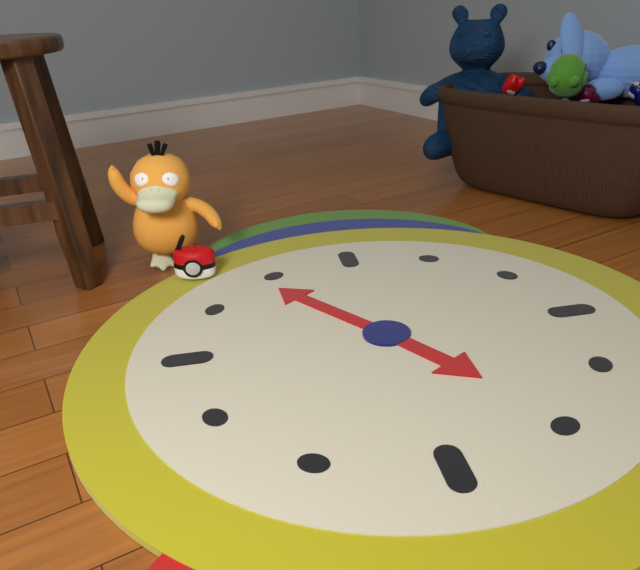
4:54
